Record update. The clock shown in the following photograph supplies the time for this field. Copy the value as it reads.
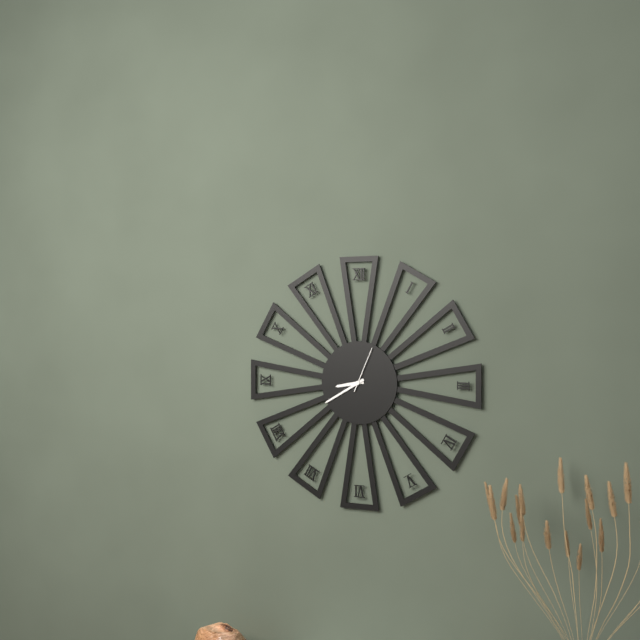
8:40
